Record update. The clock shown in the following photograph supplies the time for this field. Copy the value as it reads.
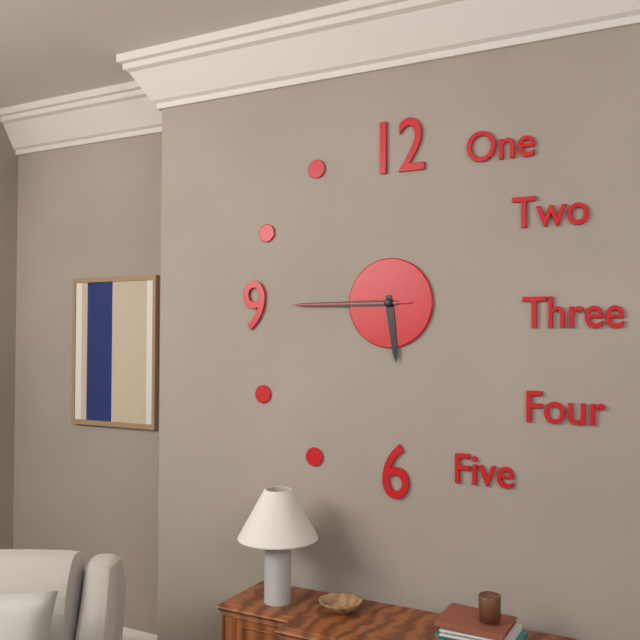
5:45:45
